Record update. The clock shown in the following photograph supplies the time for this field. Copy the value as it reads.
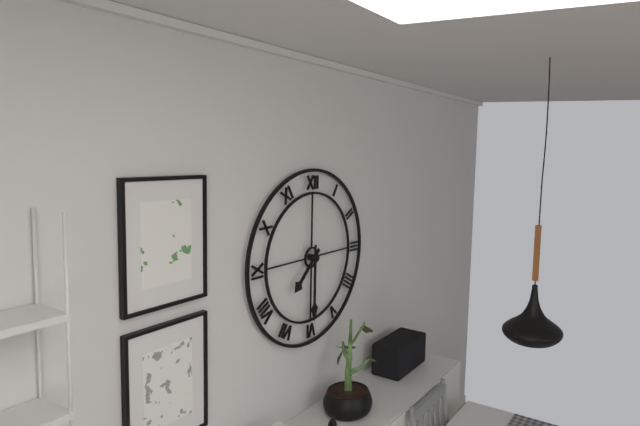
7:30
